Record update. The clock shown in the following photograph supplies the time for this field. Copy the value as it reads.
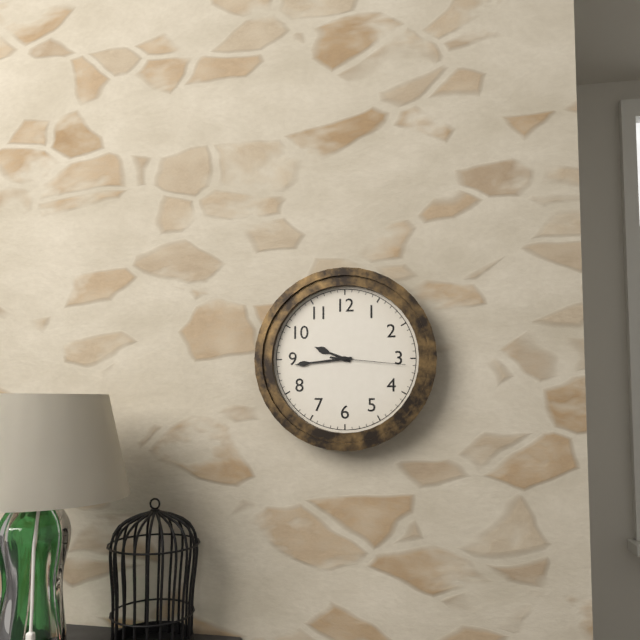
9:44:16
